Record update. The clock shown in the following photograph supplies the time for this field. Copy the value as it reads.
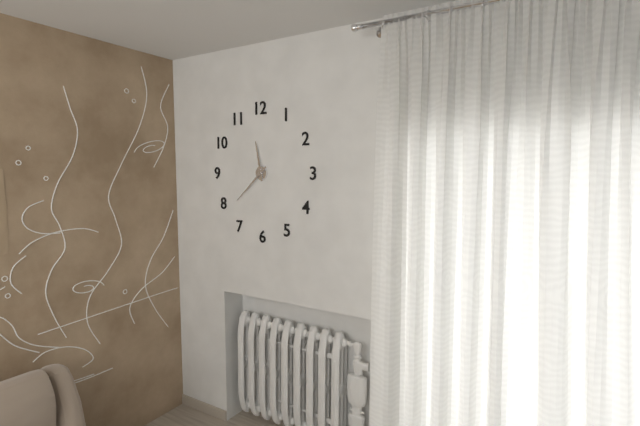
11:38
